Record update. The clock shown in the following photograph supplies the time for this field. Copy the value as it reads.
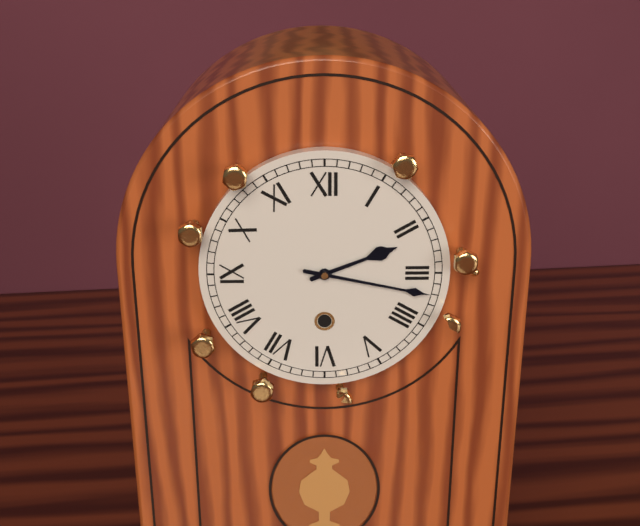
2:17
